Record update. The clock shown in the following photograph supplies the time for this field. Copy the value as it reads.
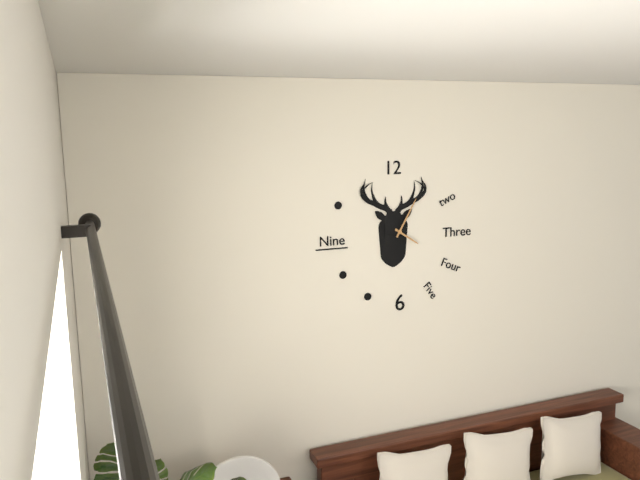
4:05
